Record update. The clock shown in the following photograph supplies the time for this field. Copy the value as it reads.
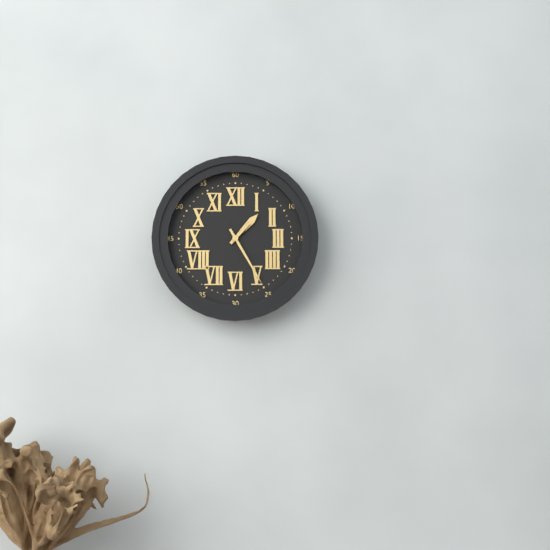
1:25
